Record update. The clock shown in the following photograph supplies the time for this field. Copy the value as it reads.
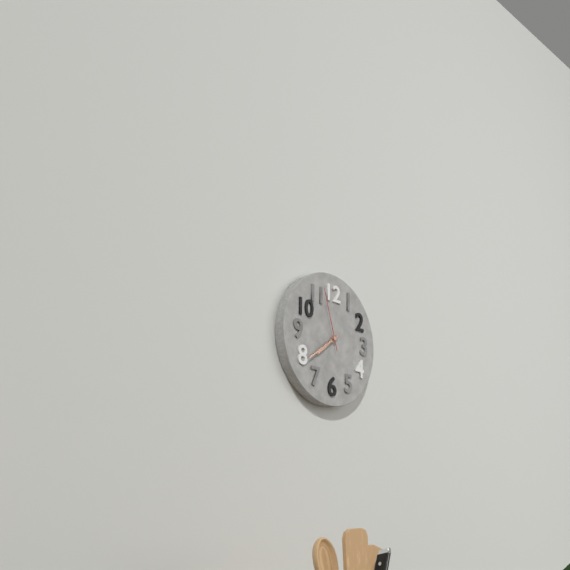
7:39:57
